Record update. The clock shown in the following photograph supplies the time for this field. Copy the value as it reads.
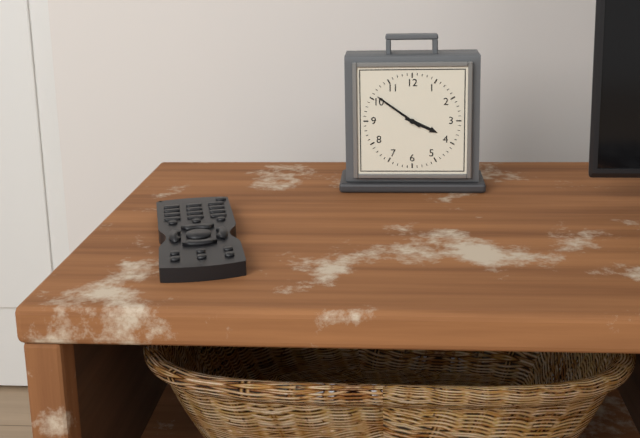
3:51
